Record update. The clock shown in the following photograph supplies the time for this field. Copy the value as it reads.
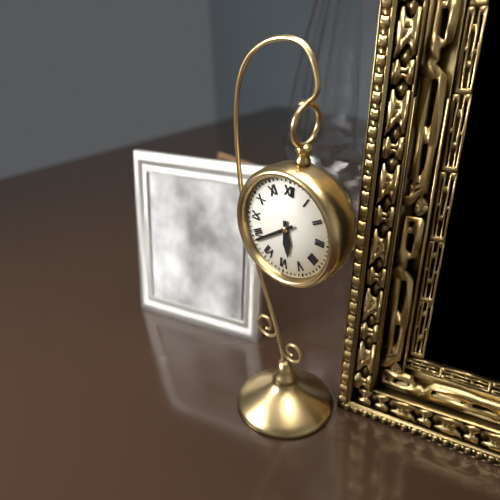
5:39
